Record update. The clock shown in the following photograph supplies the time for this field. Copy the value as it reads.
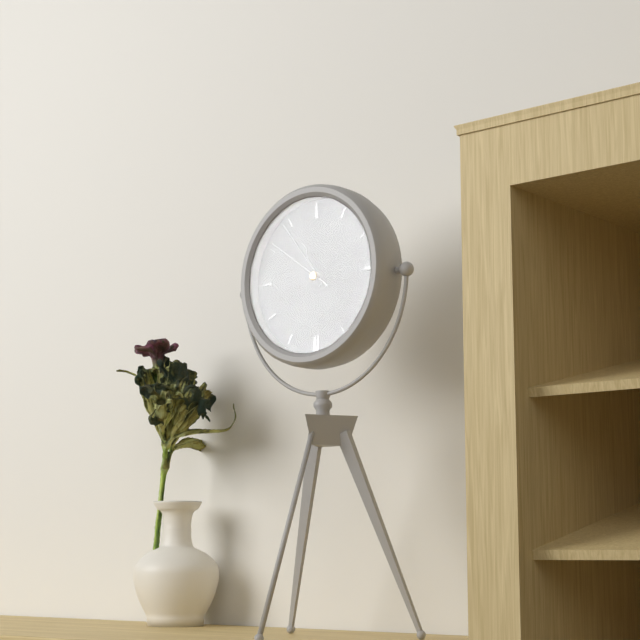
10:54:51
